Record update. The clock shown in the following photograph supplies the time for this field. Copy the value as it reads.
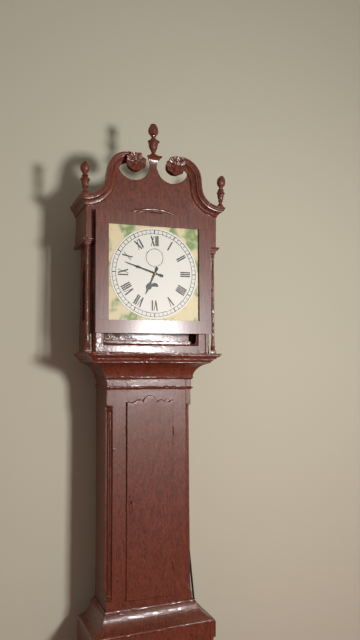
6:48
